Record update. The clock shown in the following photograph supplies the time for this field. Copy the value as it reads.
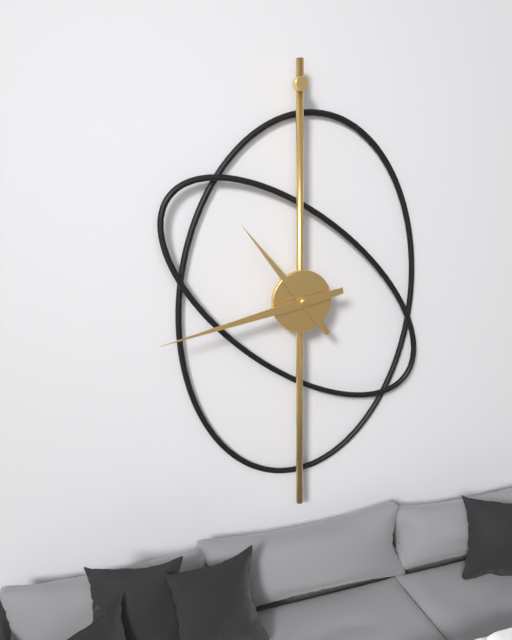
10:43
